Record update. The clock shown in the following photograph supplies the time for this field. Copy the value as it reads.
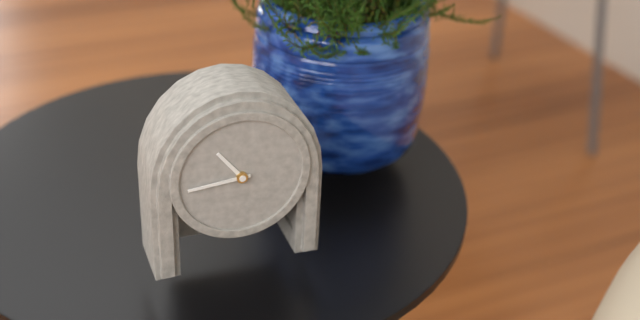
10:44
